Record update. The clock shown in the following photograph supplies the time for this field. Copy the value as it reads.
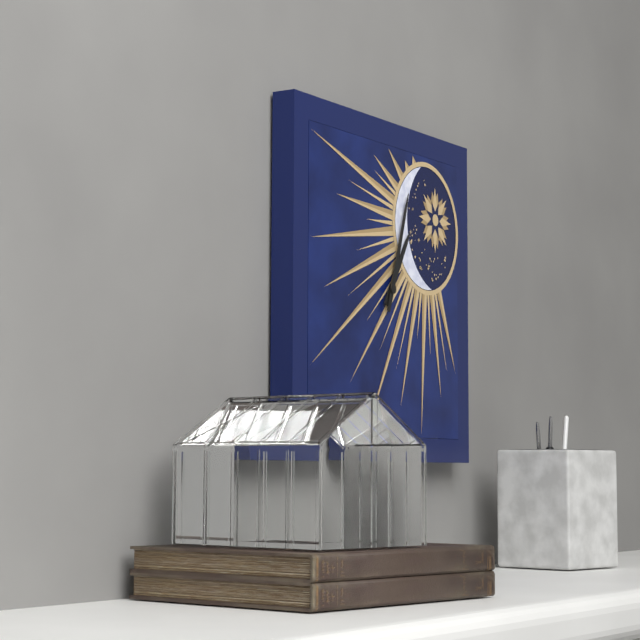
1:03
